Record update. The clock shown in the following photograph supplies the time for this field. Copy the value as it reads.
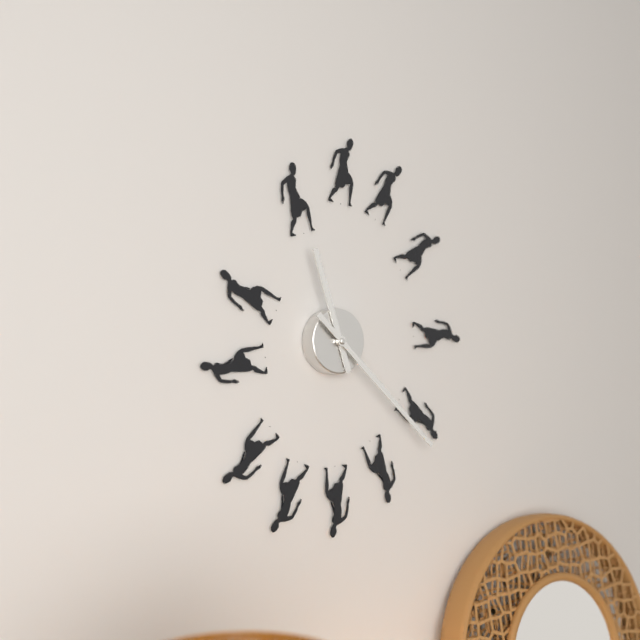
11:22
